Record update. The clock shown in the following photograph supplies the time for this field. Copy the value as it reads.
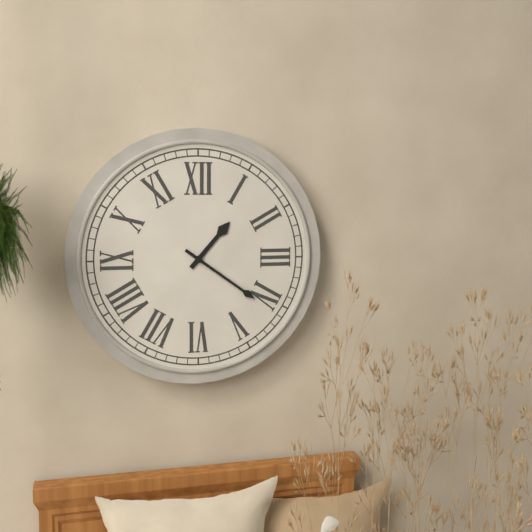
1:21
